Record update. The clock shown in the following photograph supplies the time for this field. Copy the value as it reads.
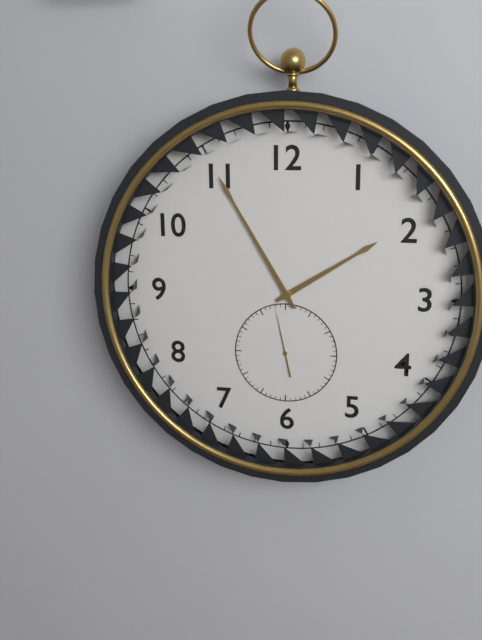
1:55:58
